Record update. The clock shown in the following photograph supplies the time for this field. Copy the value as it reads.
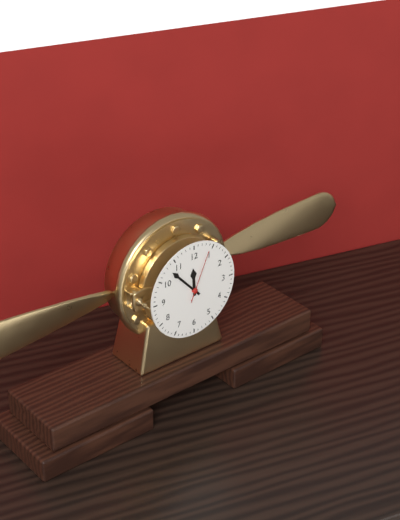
11:53:04
